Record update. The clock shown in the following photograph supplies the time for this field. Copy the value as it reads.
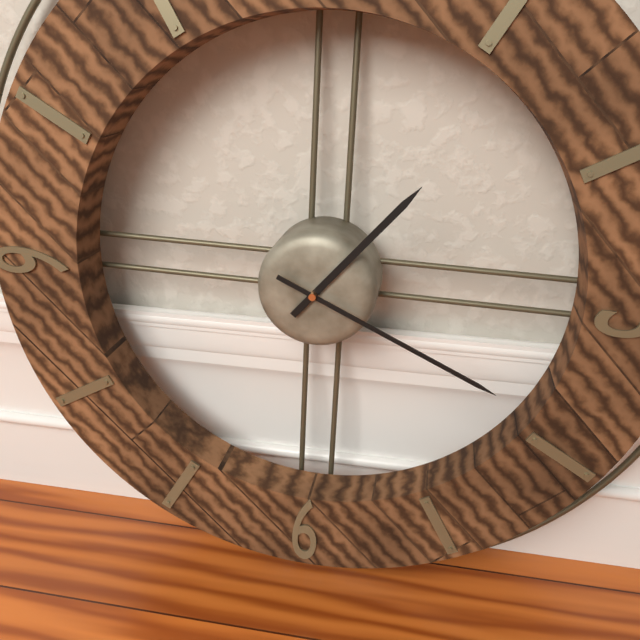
1:19
